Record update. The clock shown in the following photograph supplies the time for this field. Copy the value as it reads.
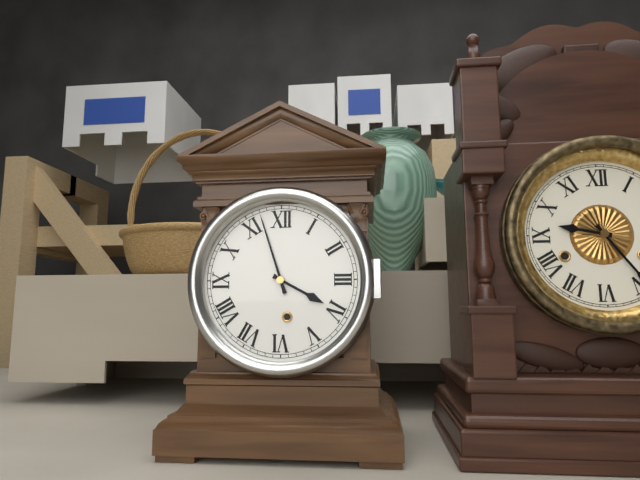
3:57
